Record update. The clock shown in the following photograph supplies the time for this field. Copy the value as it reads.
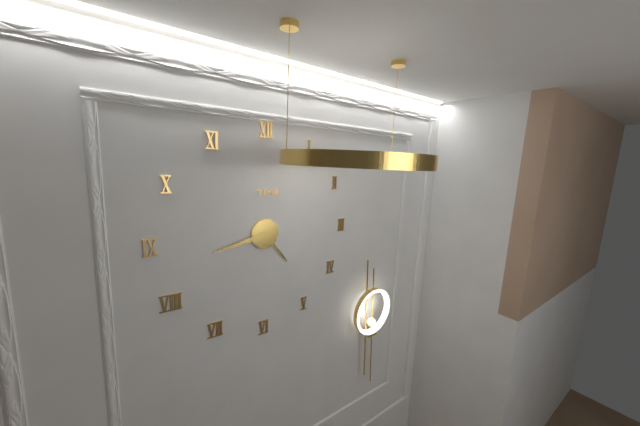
4:43
